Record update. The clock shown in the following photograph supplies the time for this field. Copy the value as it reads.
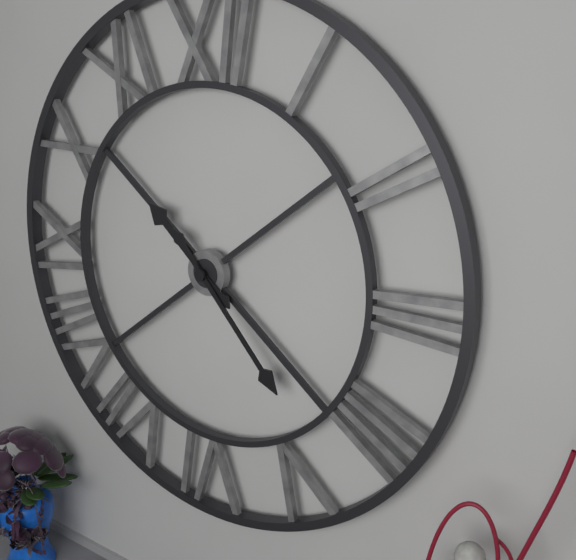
10:23
